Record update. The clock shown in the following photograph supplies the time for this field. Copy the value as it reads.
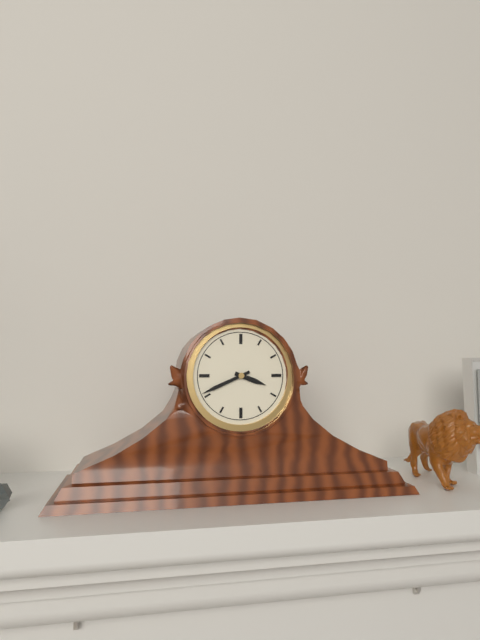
3:41
